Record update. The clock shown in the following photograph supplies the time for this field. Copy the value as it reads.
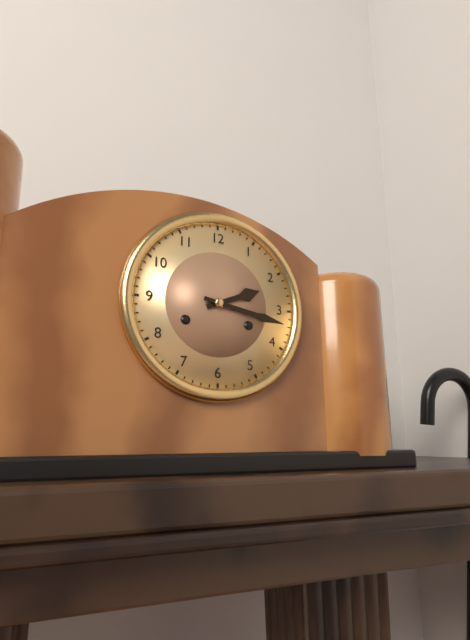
2:17
